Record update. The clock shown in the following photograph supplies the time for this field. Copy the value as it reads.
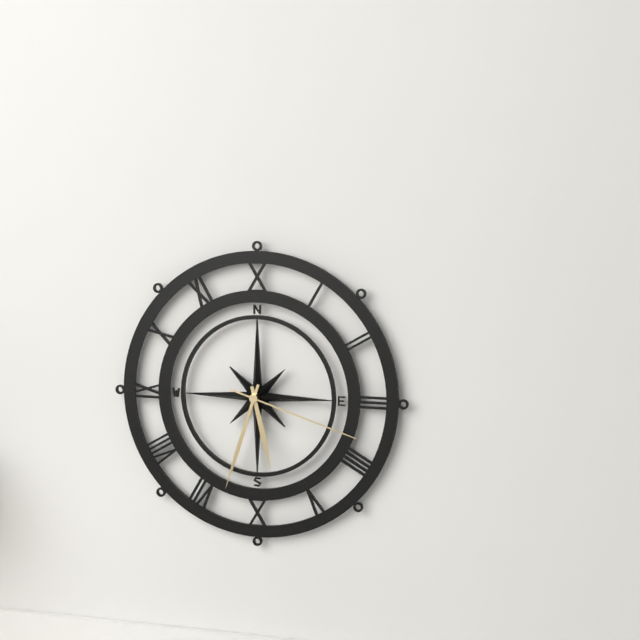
5:33:18
